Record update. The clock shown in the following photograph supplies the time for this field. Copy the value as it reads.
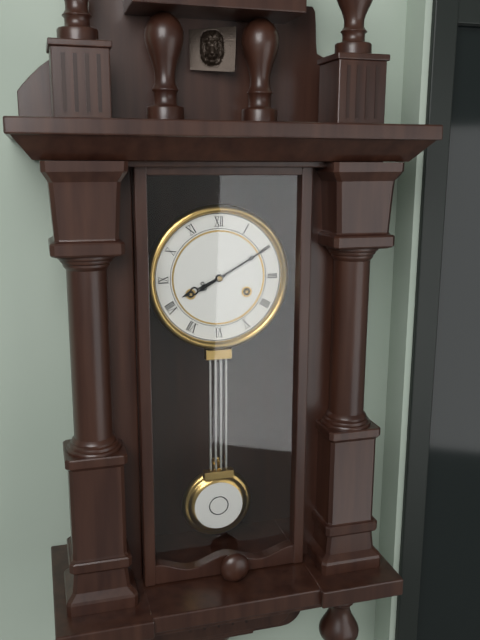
8:10
